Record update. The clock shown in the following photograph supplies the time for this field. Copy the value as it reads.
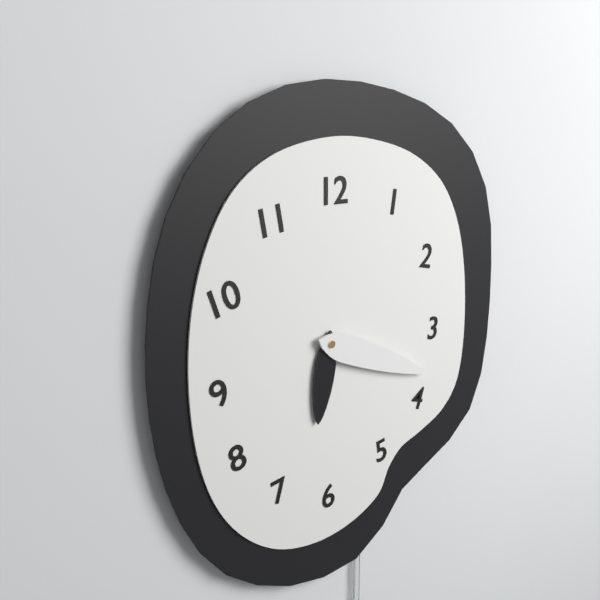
6:19
